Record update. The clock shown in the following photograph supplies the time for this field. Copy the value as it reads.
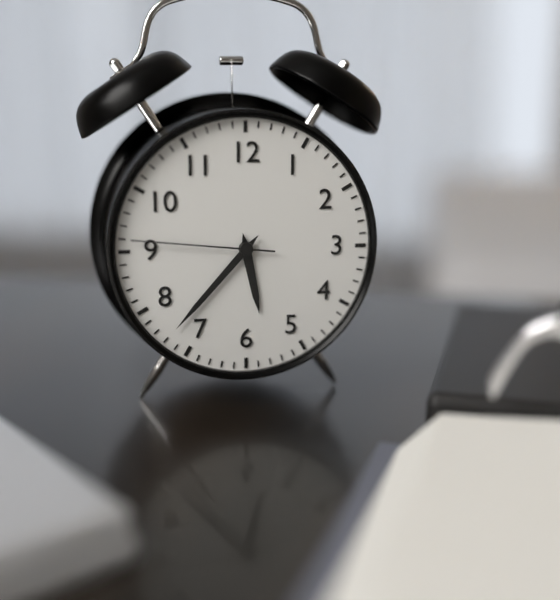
5:37:46
